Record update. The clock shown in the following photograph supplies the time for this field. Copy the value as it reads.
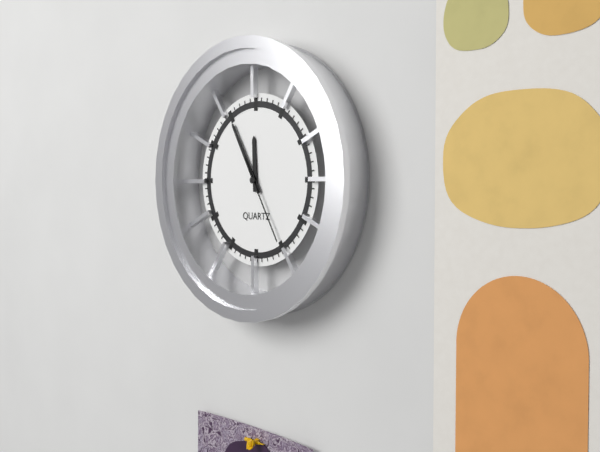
11:55:25
